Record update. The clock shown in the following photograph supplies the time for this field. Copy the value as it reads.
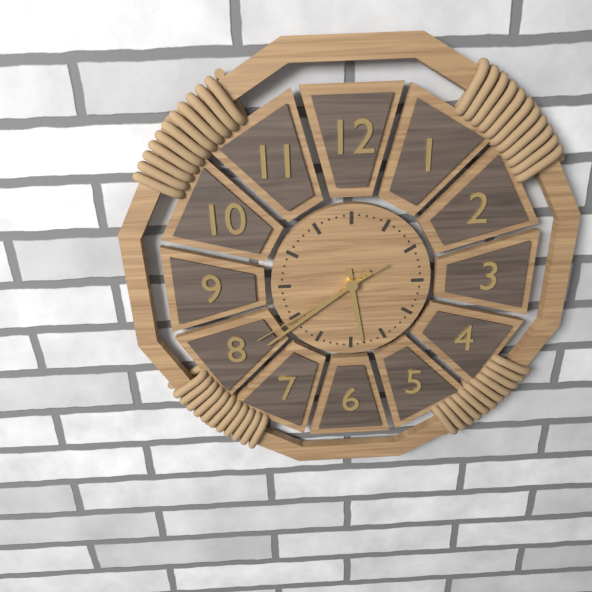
5:39:40
